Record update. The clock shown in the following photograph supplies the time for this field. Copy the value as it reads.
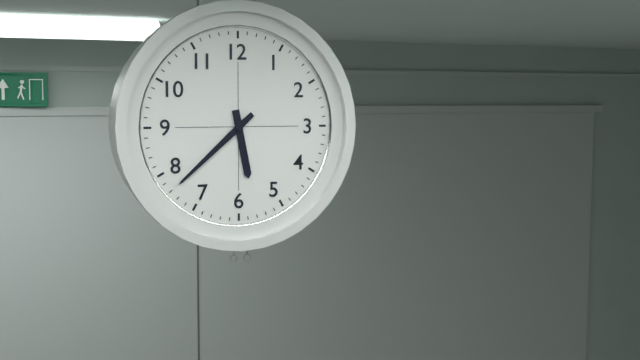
5:38
